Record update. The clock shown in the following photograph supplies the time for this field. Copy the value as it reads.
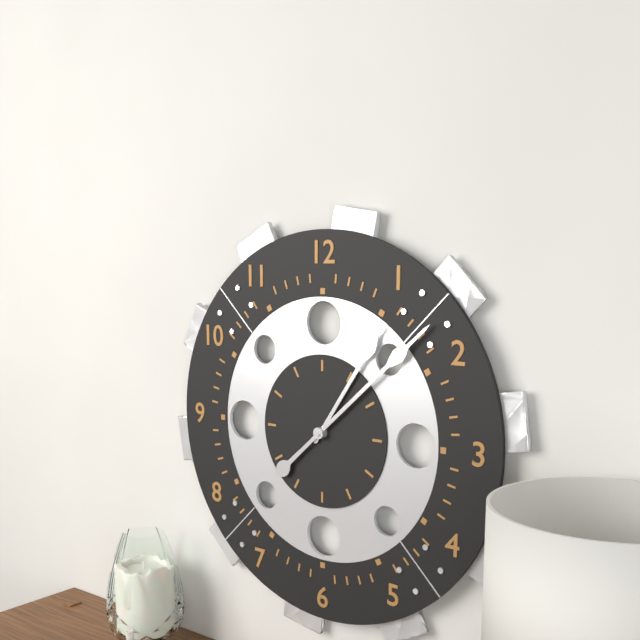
1:08
